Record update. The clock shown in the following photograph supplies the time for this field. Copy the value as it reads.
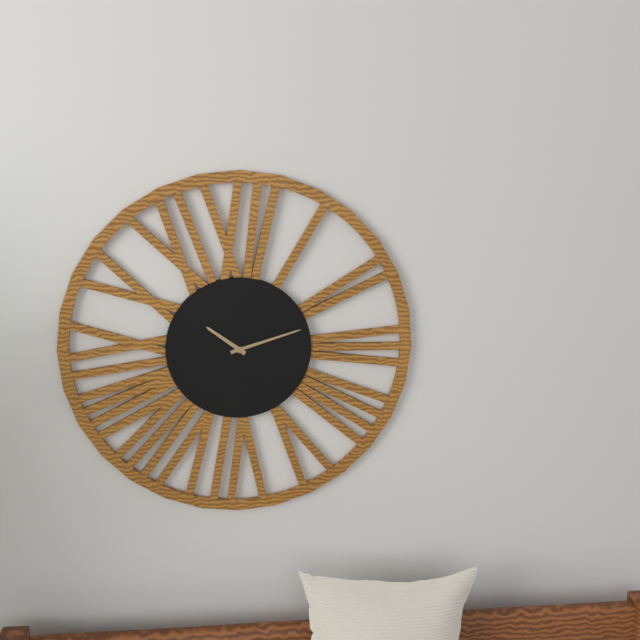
10:12
